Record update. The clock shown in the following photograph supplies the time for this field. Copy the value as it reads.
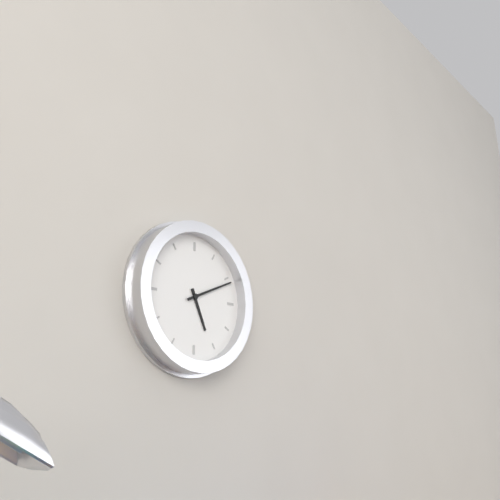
5:11
